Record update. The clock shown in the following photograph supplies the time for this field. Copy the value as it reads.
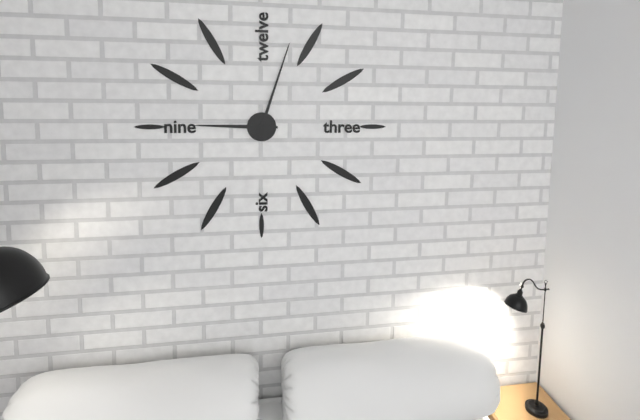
9:03
